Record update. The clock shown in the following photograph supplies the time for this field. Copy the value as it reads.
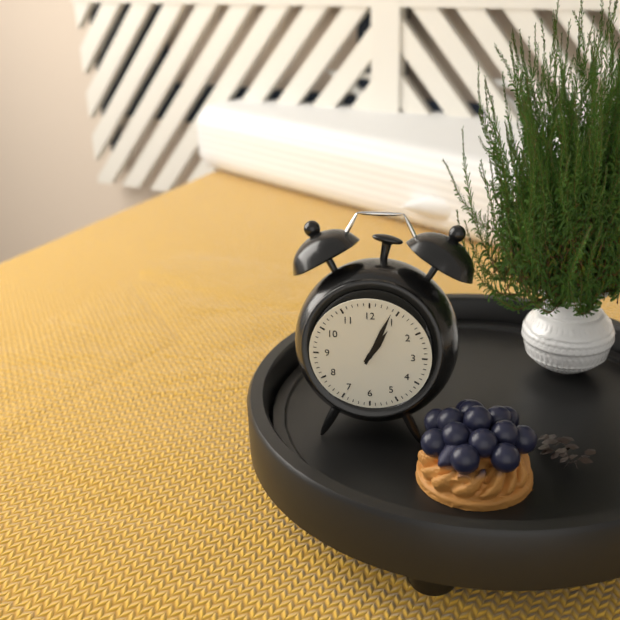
1:04
